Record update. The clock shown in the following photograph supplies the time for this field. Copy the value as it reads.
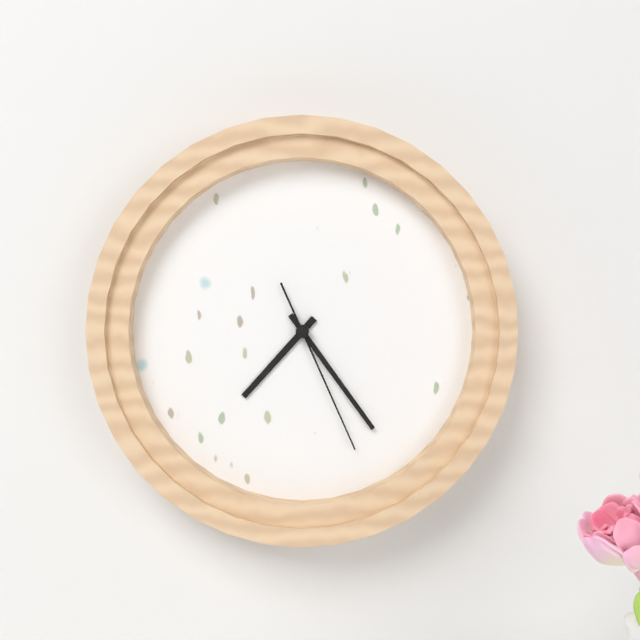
7:24:26
